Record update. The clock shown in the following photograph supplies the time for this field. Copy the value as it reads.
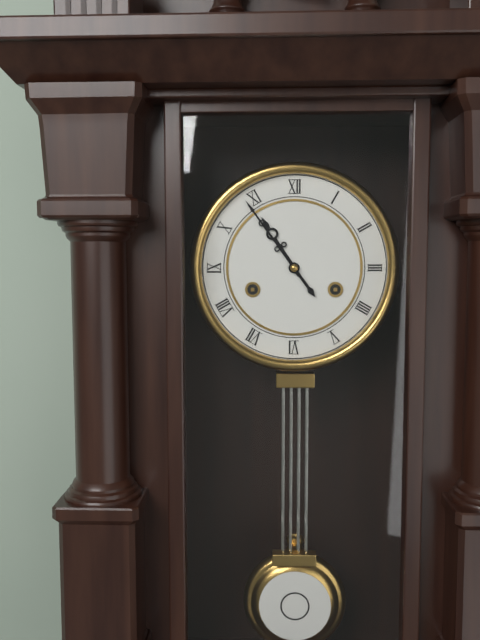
10:54
